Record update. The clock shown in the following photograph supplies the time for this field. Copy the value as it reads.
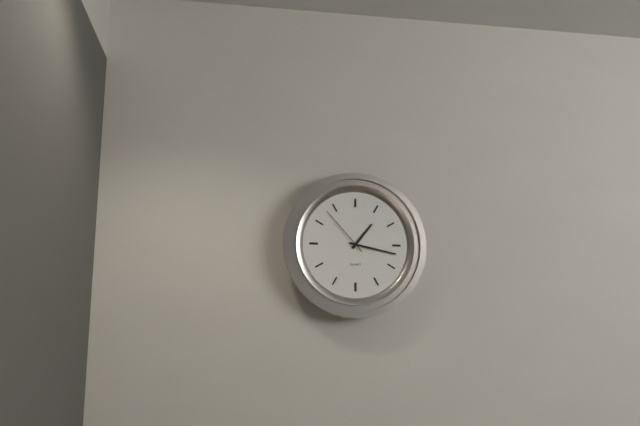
1:17:53
